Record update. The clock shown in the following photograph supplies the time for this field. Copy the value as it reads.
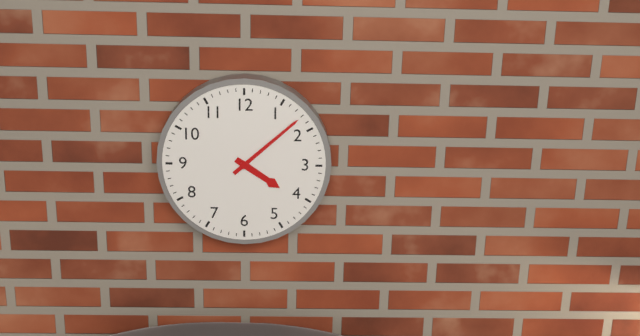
4:08
